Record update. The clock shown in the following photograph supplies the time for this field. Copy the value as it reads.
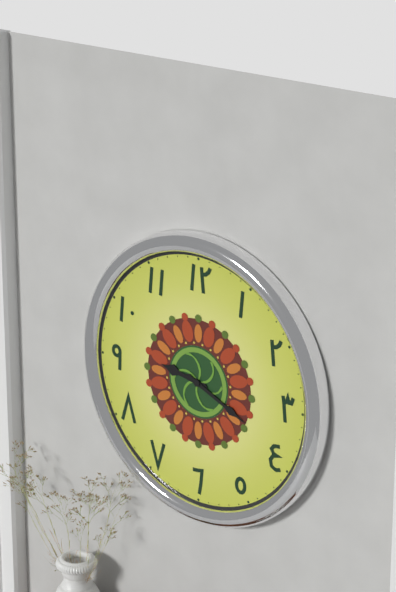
9:19
